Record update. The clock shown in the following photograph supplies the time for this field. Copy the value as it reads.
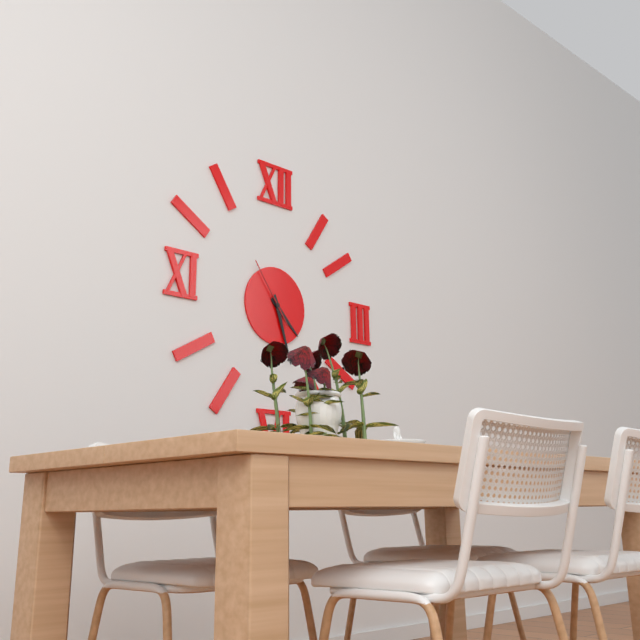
4:27:54
